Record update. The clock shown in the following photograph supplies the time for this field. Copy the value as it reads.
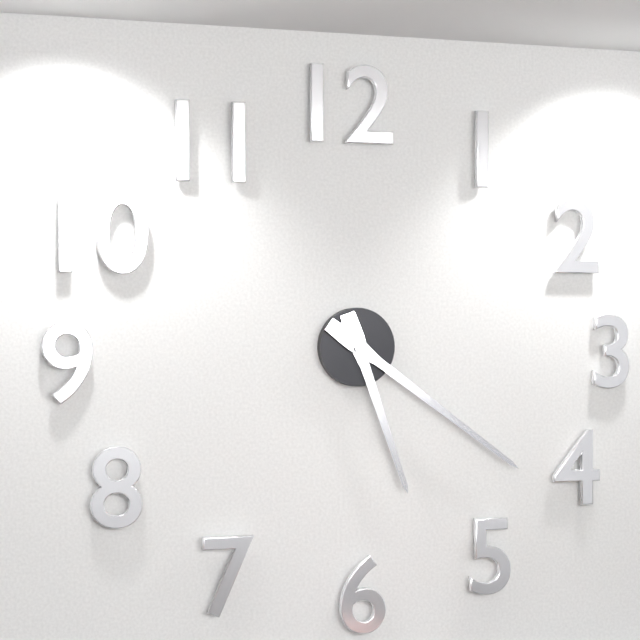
5:21
